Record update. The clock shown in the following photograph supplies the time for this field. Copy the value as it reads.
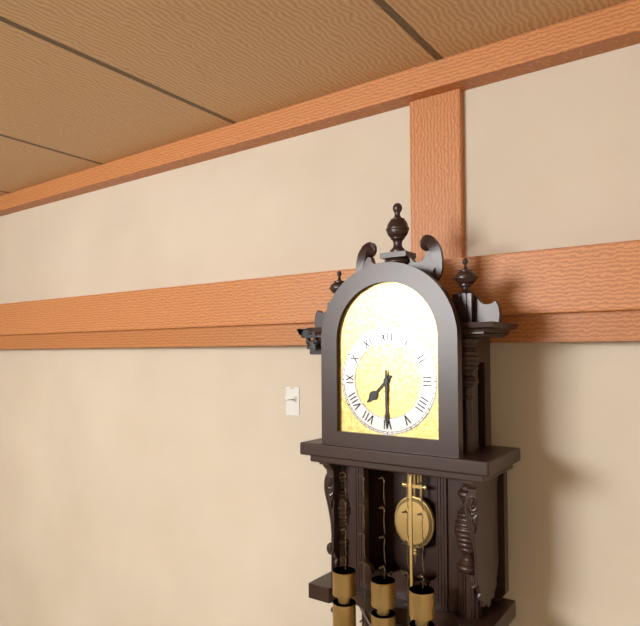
7:30
